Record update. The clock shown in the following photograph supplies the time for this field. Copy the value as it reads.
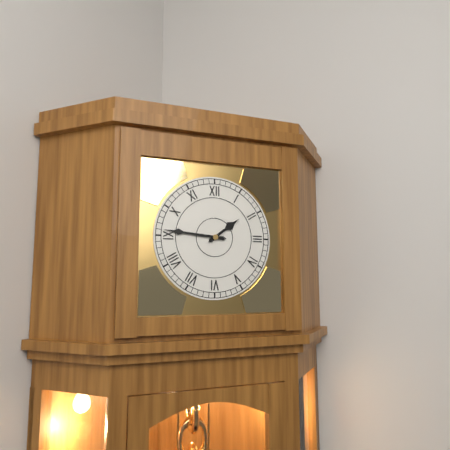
1:46
